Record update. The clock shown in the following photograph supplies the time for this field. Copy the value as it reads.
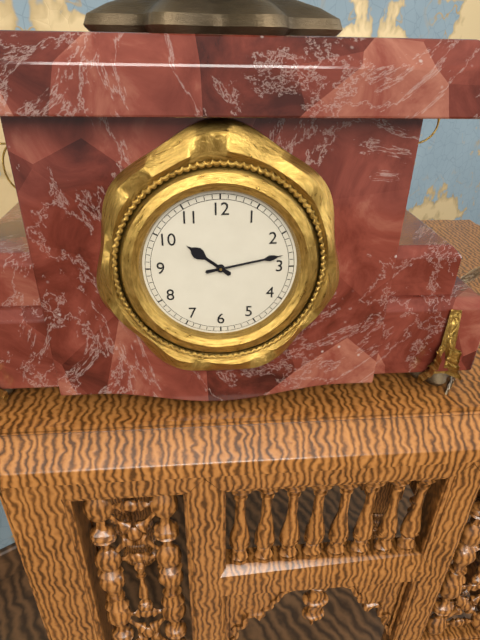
10:13
